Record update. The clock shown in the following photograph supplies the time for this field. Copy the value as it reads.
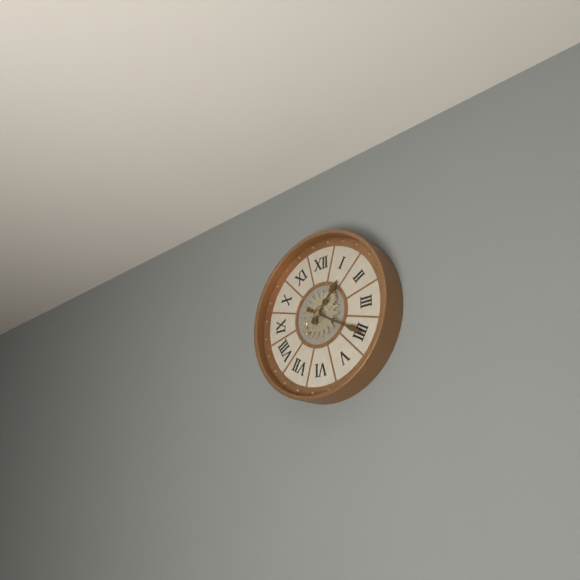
1:20
